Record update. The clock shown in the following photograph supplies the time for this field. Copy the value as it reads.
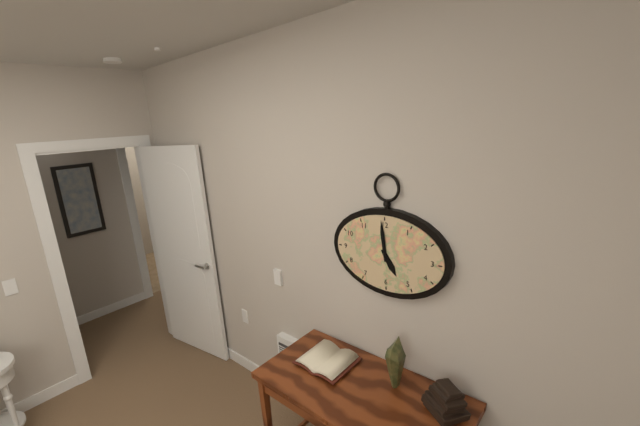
4:59
